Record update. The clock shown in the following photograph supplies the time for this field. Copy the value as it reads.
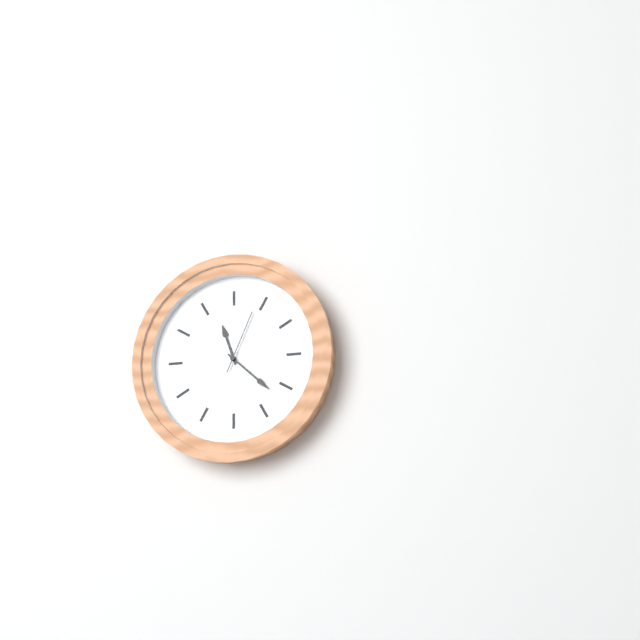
11:22:04
